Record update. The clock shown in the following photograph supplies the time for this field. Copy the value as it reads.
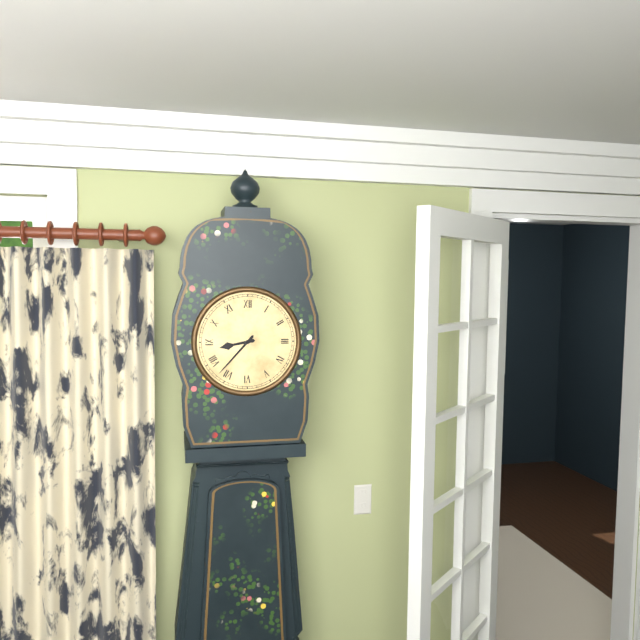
8:37
